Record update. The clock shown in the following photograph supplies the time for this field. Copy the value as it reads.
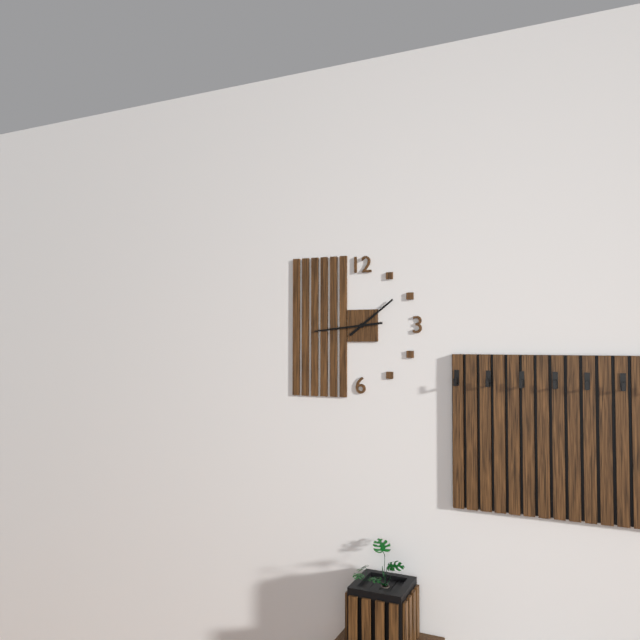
1:44
